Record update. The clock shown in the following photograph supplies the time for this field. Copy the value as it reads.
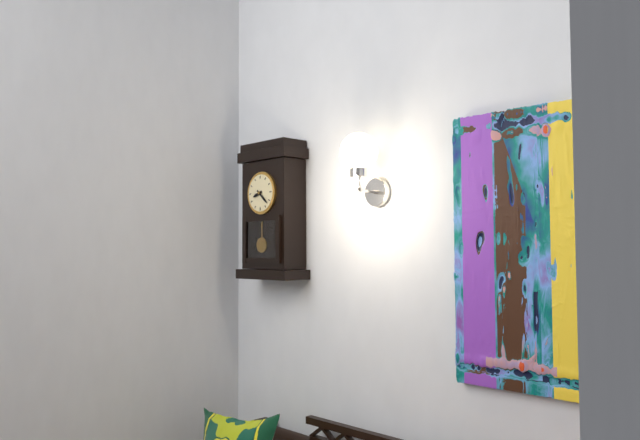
8:22
